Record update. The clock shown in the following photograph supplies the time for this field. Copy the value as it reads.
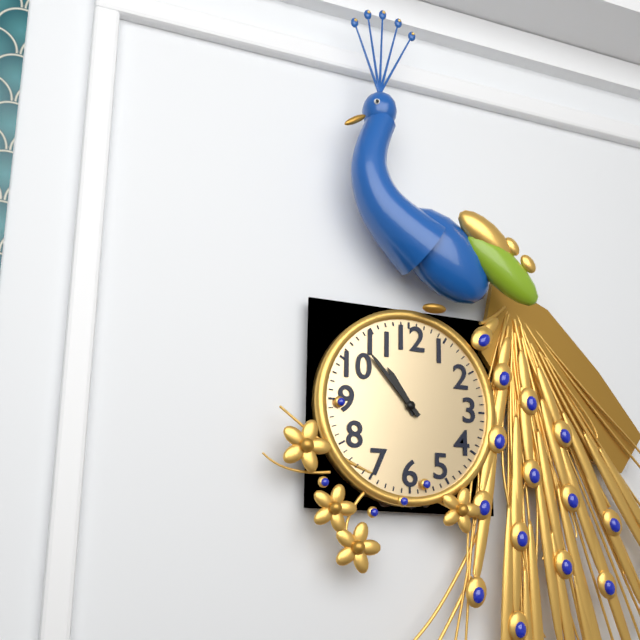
10:53
